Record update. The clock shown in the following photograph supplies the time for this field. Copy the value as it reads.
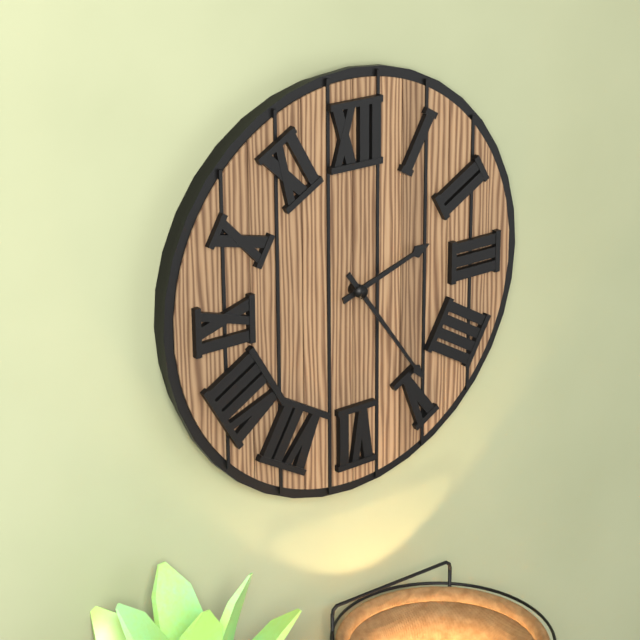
2:24
